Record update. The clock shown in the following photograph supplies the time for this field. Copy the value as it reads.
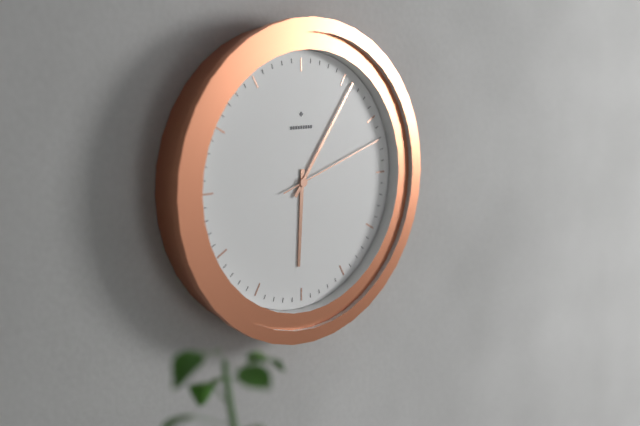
6:06:12
